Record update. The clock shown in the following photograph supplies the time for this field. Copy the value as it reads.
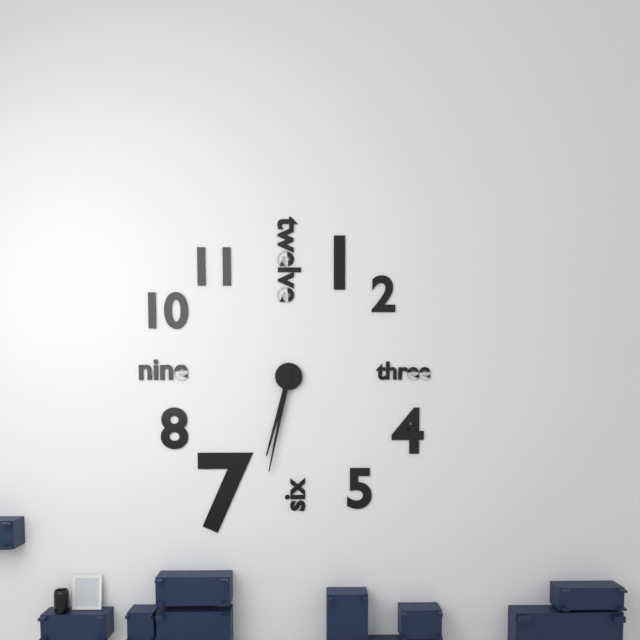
6:32
